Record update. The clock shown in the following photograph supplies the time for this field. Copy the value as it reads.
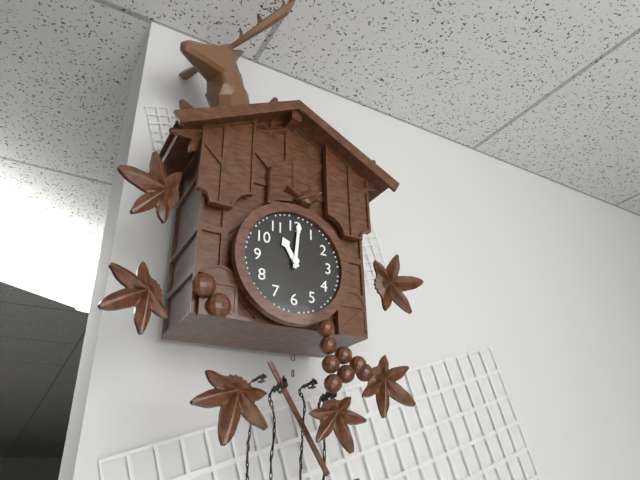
11:01
